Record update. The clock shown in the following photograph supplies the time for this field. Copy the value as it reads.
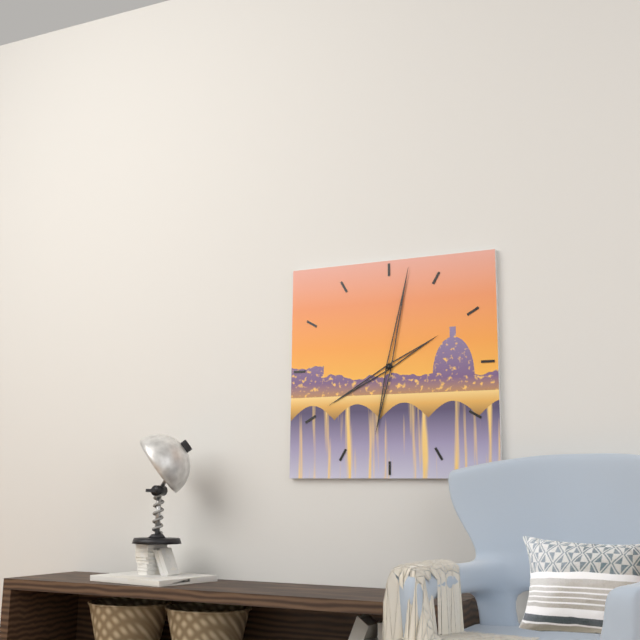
8:02
